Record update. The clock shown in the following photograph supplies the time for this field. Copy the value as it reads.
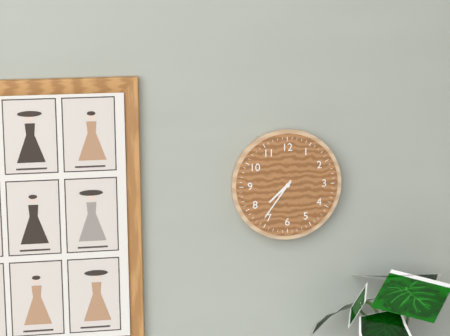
7:36
